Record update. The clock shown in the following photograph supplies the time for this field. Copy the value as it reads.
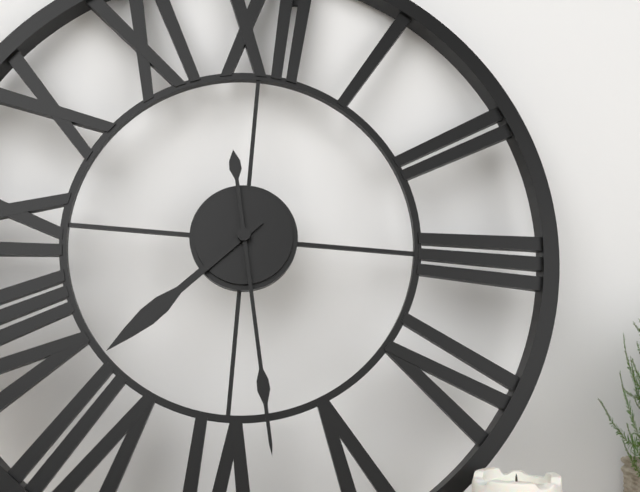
7:28
